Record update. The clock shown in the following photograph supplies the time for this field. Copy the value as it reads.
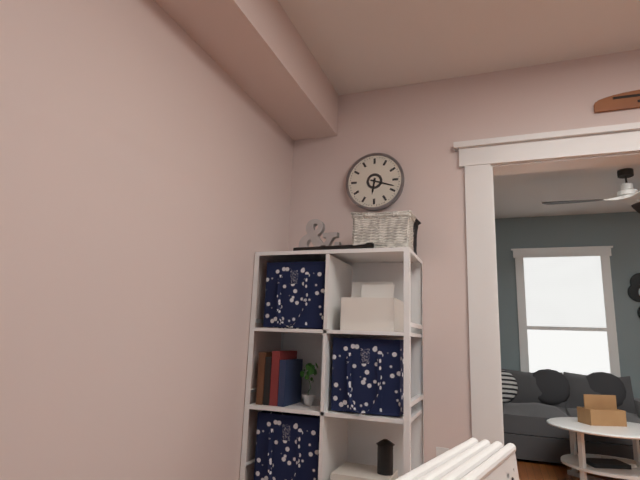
6:18
